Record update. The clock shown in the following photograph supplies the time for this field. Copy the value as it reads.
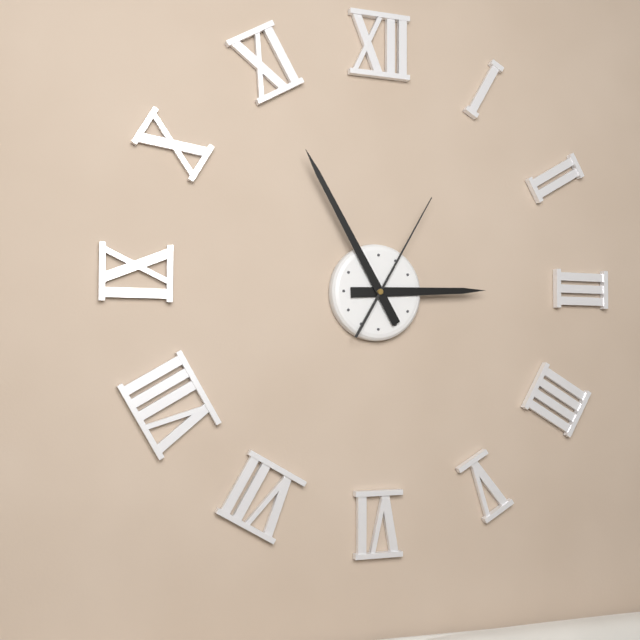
2:55:05
